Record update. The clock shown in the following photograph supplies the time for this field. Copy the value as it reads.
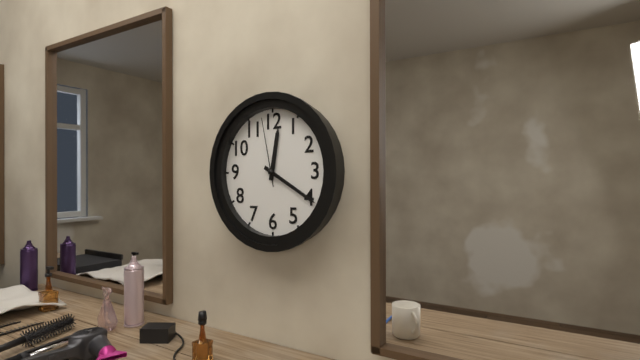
12:20:58
